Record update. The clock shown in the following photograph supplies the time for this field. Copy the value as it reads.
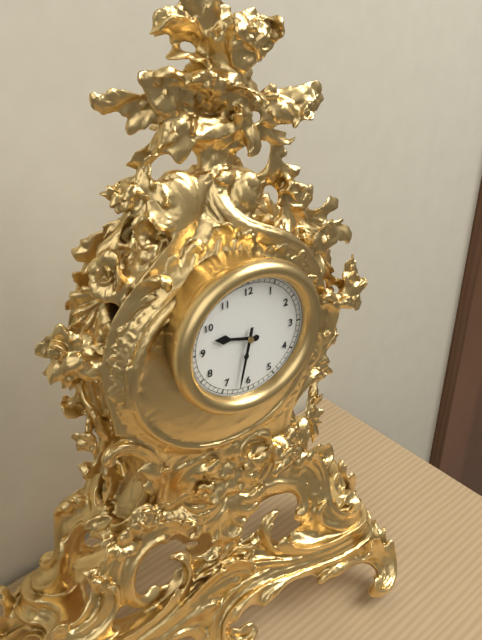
9:32
